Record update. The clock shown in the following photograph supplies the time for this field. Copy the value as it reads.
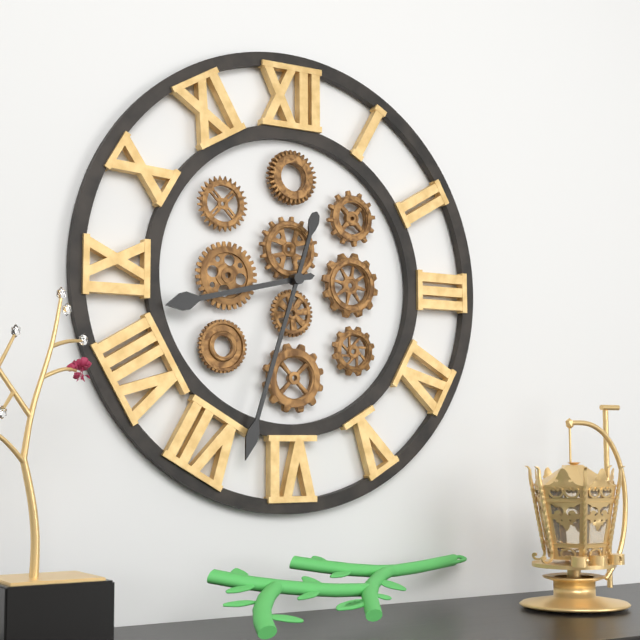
8:33
